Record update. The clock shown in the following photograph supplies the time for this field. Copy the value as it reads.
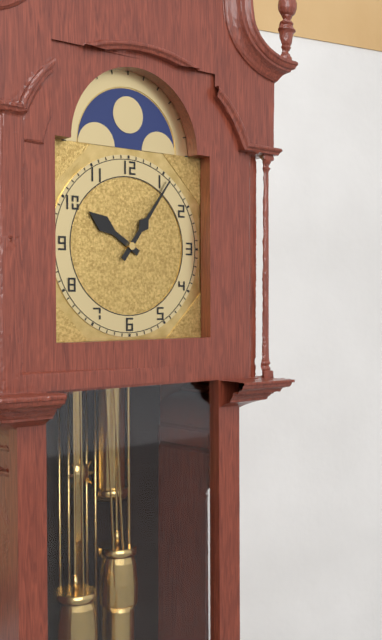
10:06
